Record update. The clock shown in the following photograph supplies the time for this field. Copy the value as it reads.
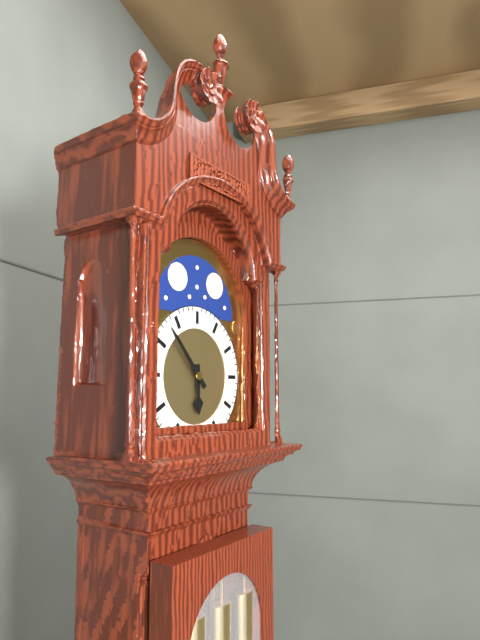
5:53
